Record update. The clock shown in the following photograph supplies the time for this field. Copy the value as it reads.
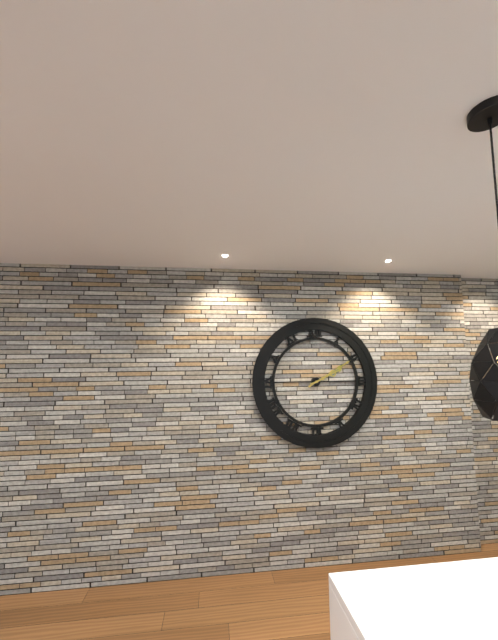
2:10
